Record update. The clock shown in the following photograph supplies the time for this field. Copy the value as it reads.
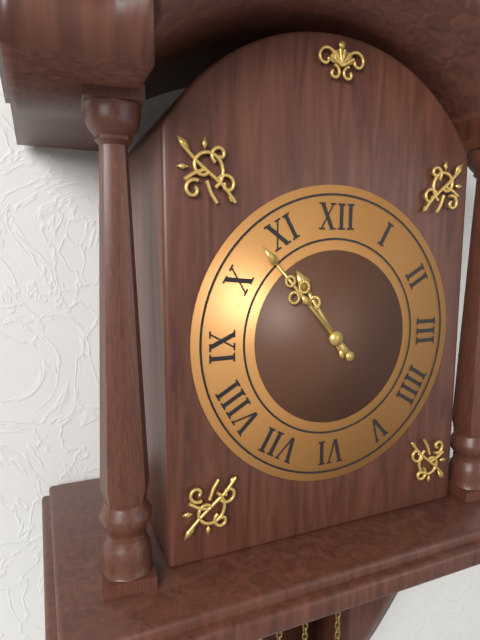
10:53
